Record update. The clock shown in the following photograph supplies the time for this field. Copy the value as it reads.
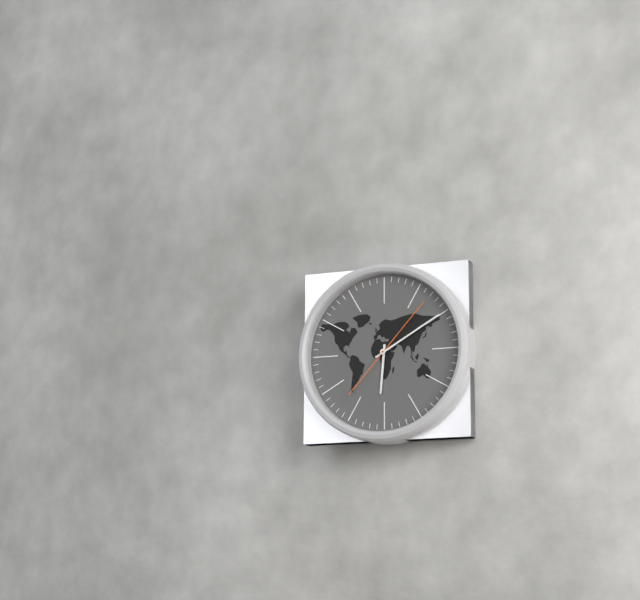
6:10:07
